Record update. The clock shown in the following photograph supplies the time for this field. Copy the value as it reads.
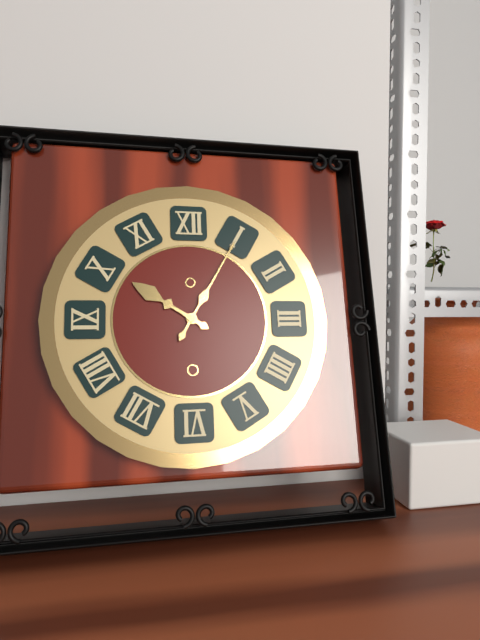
10:05
